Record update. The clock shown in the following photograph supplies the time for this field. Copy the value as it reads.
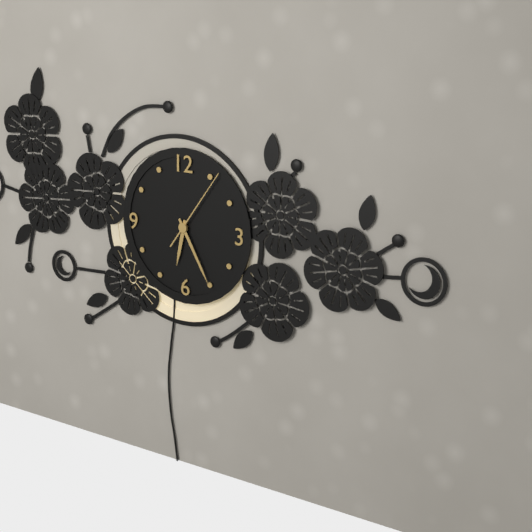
6:25:06
